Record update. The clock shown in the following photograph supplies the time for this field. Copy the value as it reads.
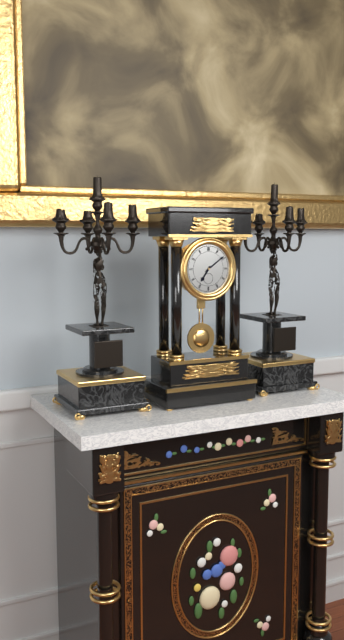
7:09
